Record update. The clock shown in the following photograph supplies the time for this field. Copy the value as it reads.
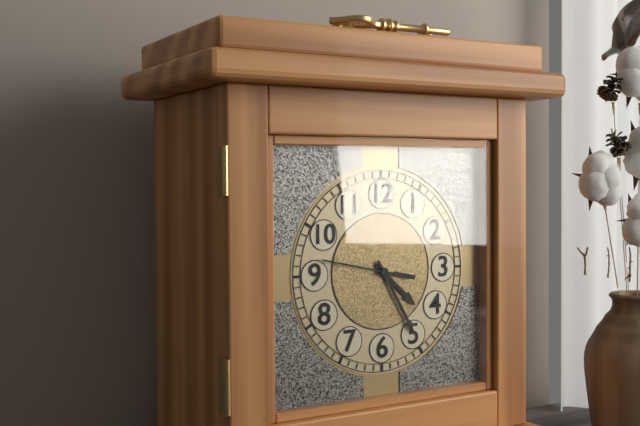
4:25:47
